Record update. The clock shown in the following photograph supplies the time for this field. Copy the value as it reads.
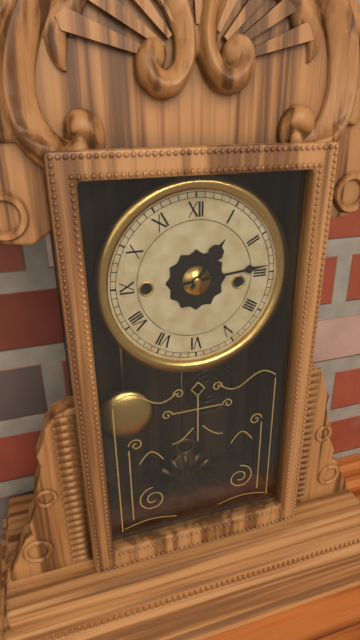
1:14
